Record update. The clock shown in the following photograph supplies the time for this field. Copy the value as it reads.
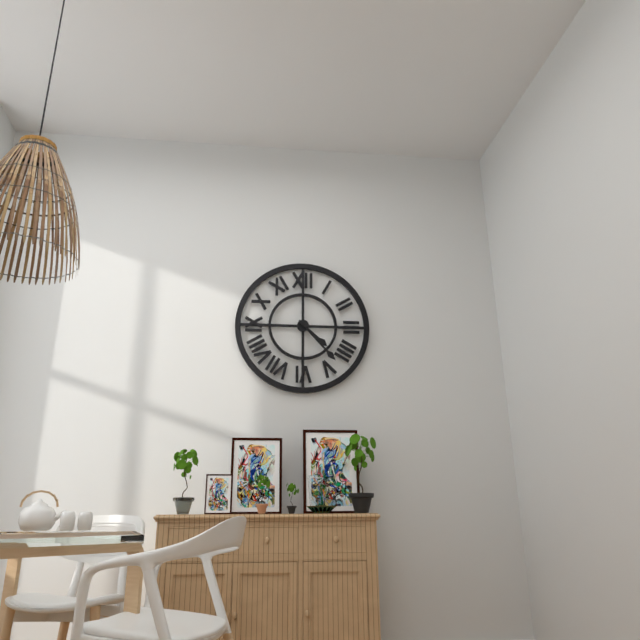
4:23
